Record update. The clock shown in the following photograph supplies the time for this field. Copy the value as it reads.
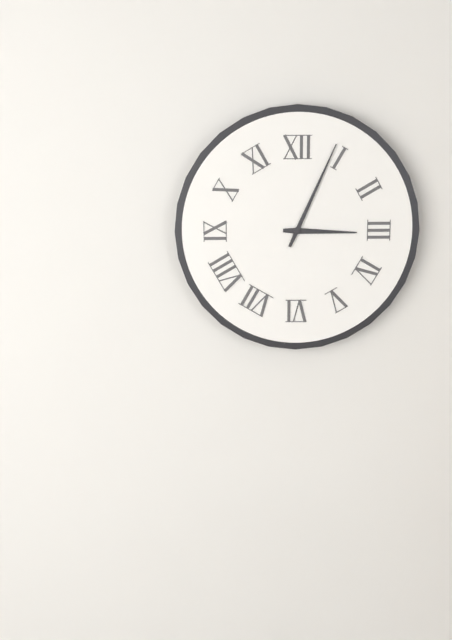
3:04
